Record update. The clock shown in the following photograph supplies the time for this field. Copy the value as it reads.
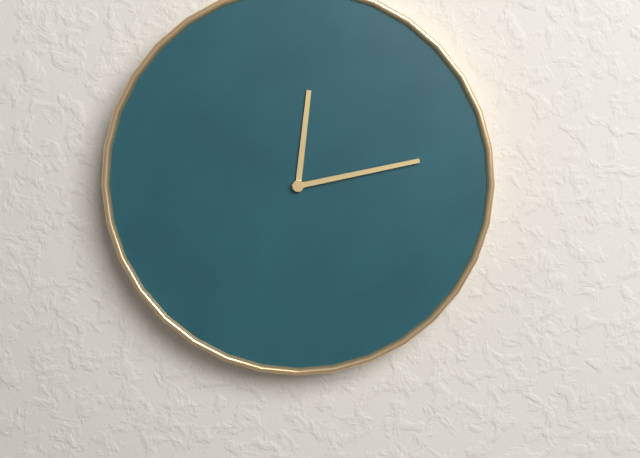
12:13
